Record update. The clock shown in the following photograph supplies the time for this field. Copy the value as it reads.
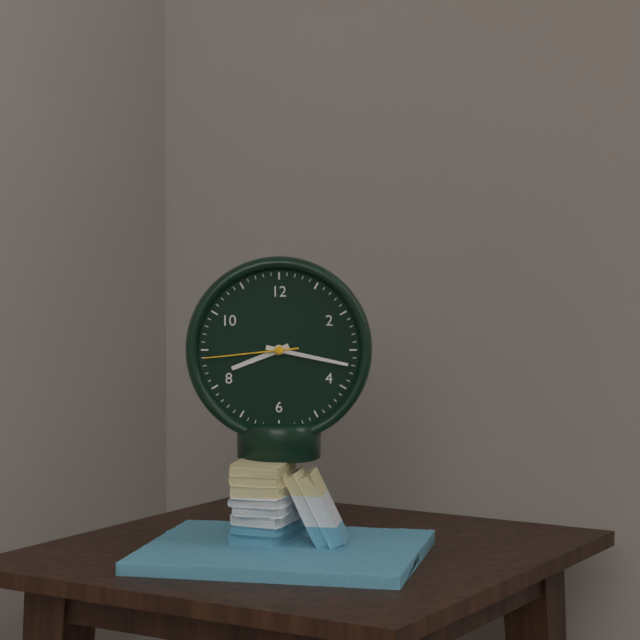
8:17:44
